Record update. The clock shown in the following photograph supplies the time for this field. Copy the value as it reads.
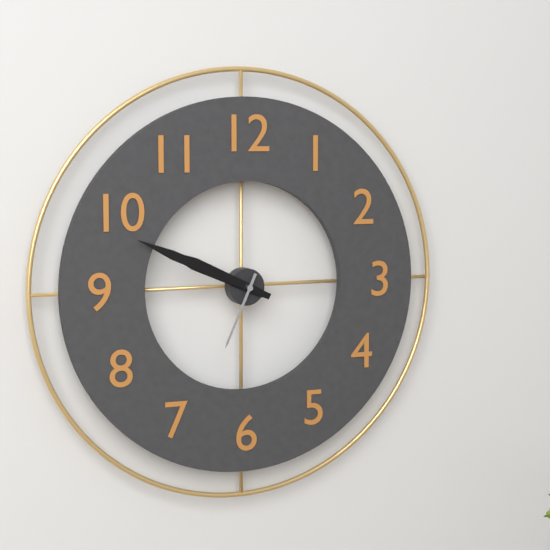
9:49:34
